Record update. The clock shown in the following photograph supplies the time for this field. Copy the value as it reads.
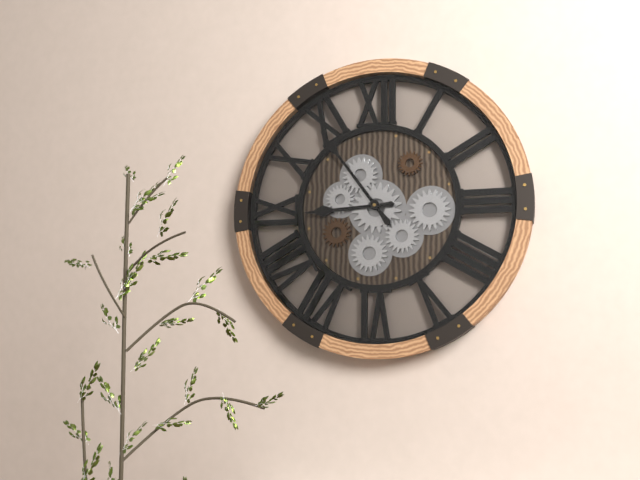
8:54
